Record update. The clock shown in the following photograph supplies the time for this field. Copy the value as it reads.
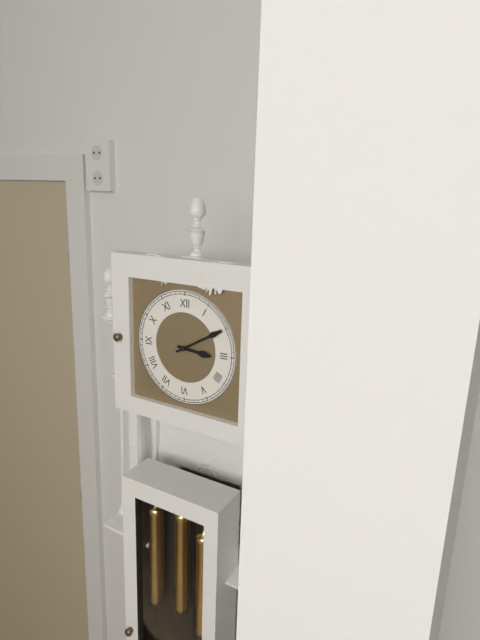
3:10
